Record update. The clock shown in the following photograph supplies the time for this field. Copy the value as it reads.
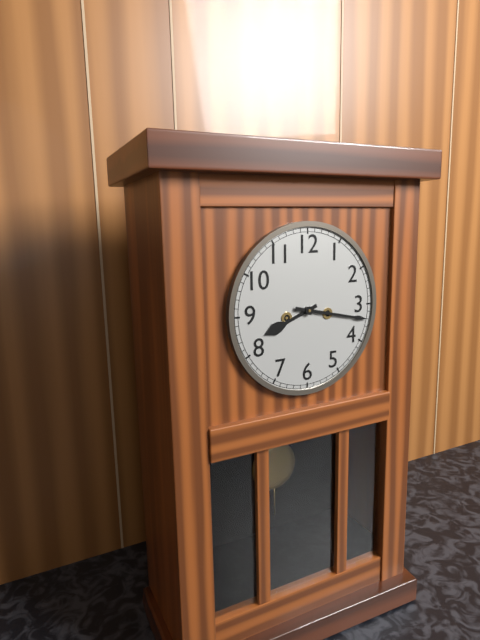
8:17
